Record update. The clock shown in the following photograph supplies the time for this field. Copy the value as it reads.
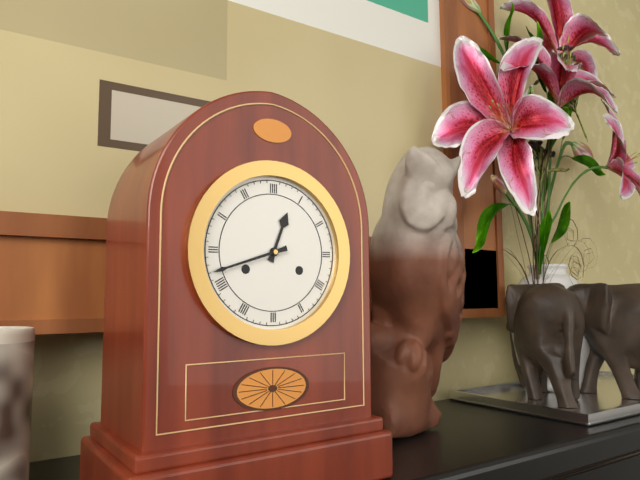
12:42
